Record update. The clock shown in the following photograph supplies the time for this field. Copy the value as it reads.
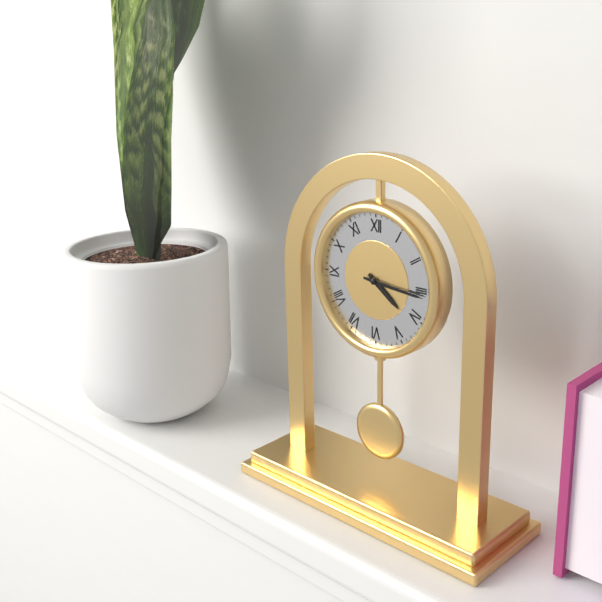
4:16
